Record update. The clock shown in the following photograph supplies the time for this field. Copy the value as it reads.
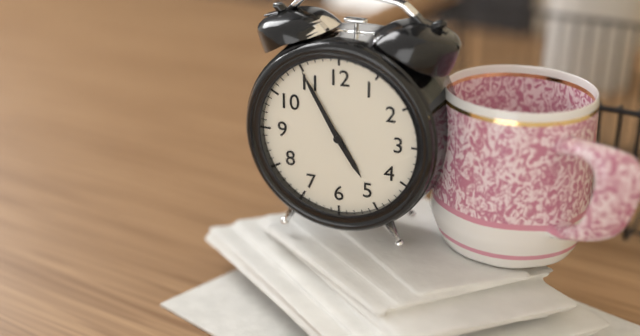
4:55
